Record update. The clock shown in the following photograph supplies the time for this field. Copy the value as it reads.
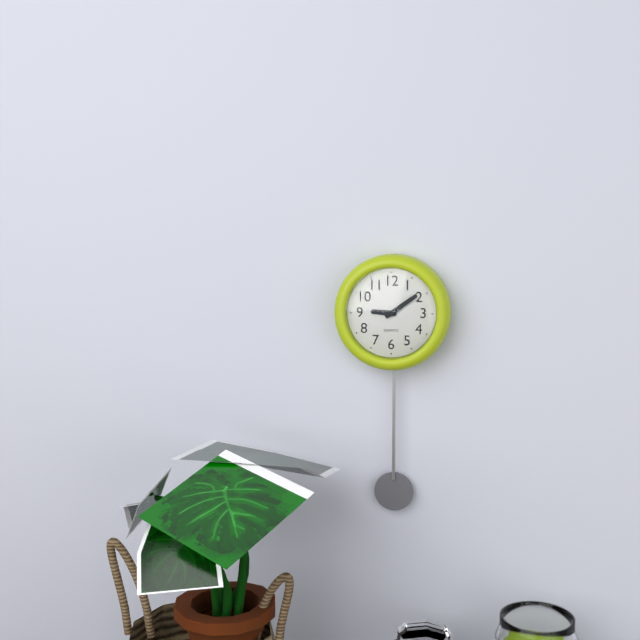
9:09
